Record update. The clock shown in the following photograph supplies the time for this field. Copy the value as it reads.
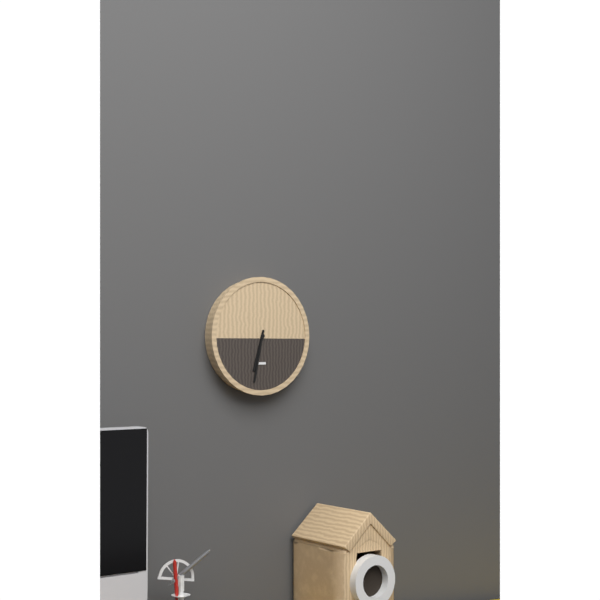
6:32
